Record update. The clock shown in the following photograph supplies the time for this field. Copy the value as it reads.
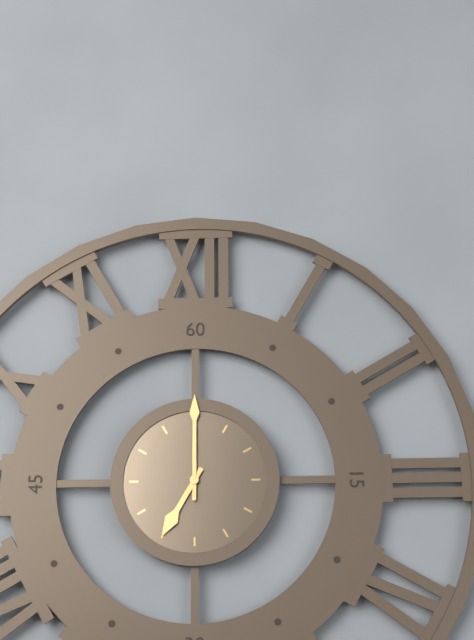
7:00
